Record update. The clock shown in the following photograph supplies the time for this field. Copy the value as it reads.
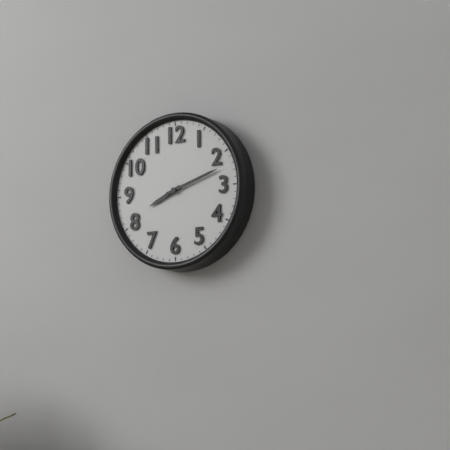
8:12
